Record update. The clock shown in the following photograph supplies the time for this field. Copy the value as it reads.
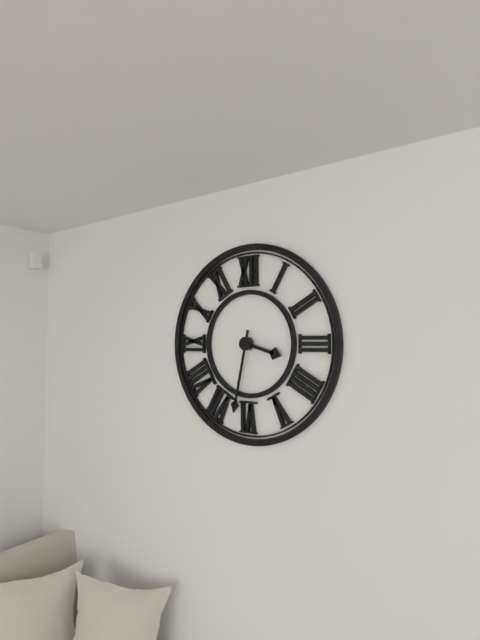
3:32
